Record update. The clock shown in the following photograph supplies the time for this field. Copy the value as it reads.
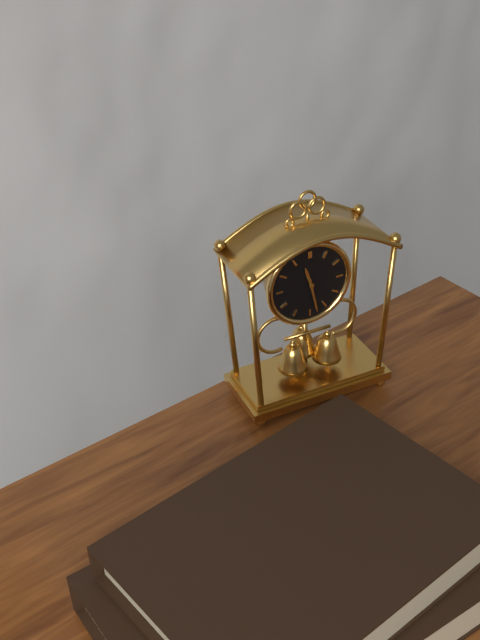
11:28
